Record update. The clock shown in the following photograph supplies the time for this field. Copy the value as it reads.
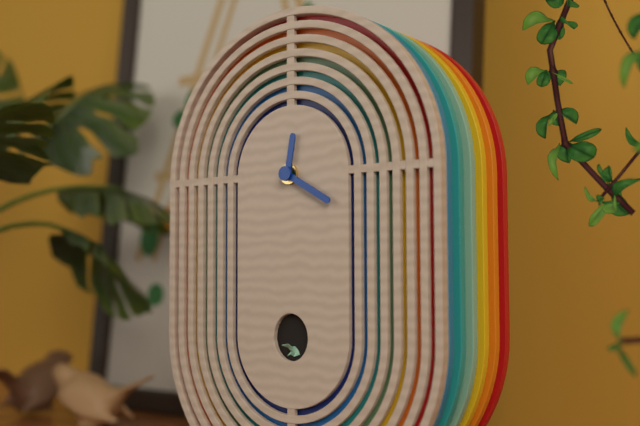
12:20
